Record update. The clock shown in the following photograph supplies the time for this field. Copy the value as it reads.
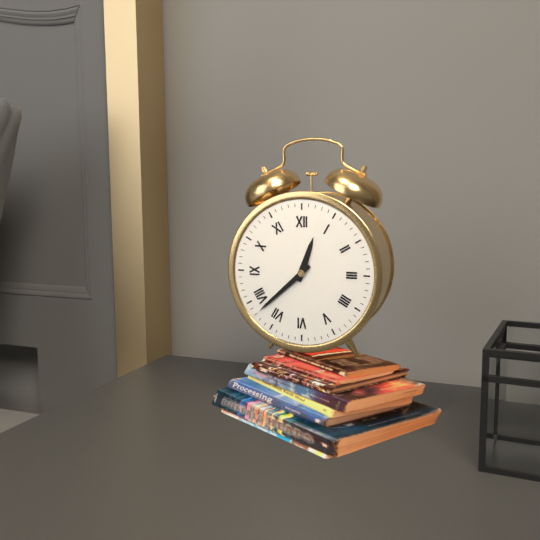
12:38
